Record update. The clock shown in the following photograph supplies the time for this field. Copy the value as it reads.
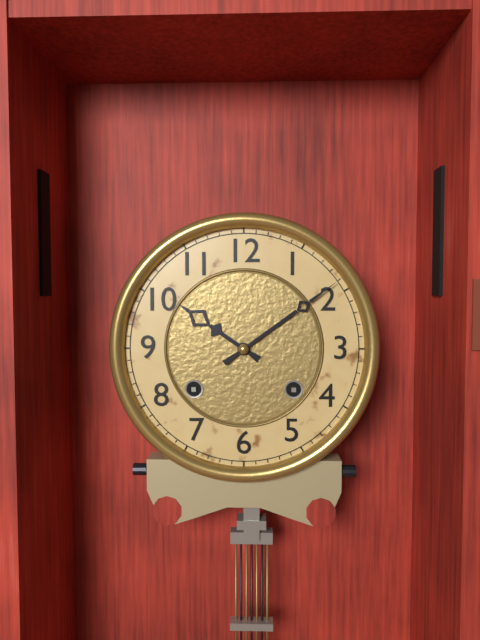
10:09
